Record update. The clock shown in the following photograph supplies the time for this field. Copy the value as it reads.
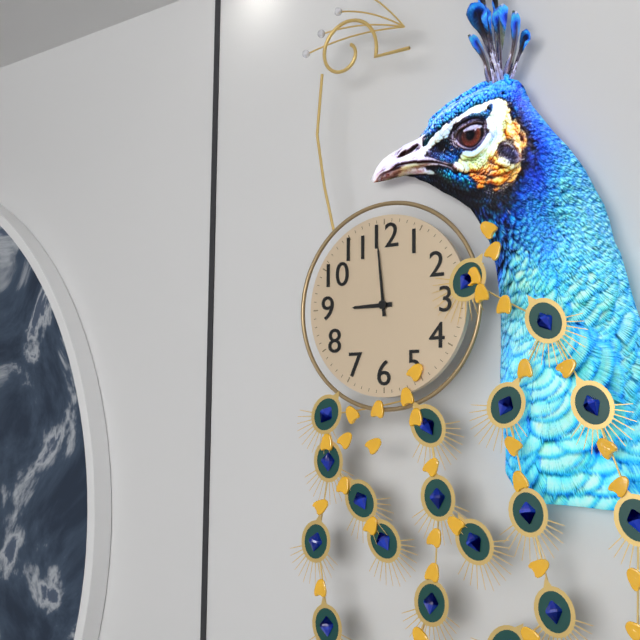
8:59
